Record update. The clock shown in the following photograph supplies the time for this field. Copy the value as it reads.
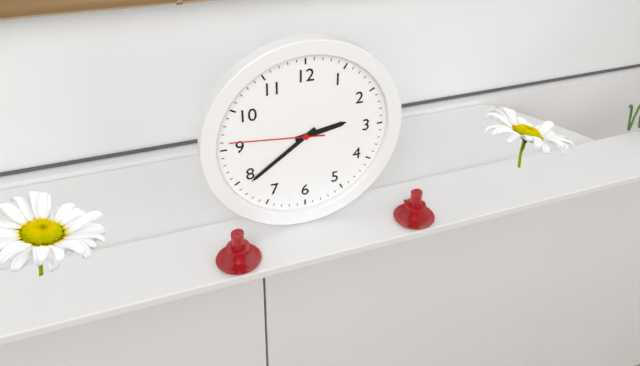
2:39:46
